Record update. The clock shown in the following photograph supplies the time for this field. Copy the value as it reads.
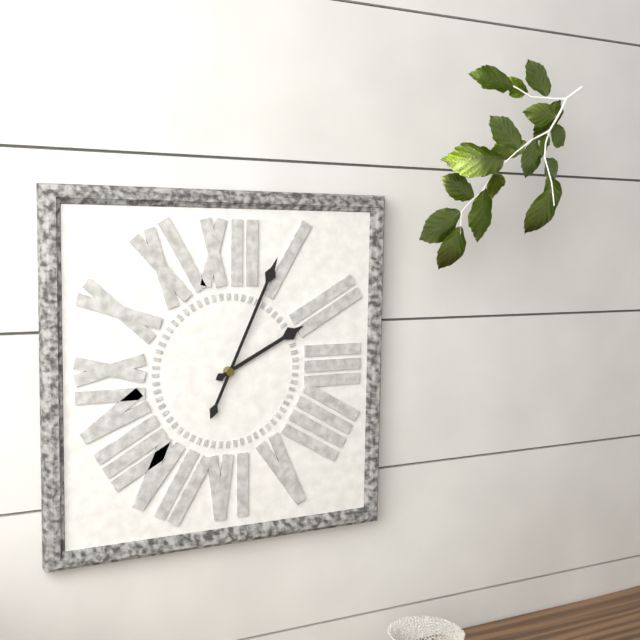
2:04
